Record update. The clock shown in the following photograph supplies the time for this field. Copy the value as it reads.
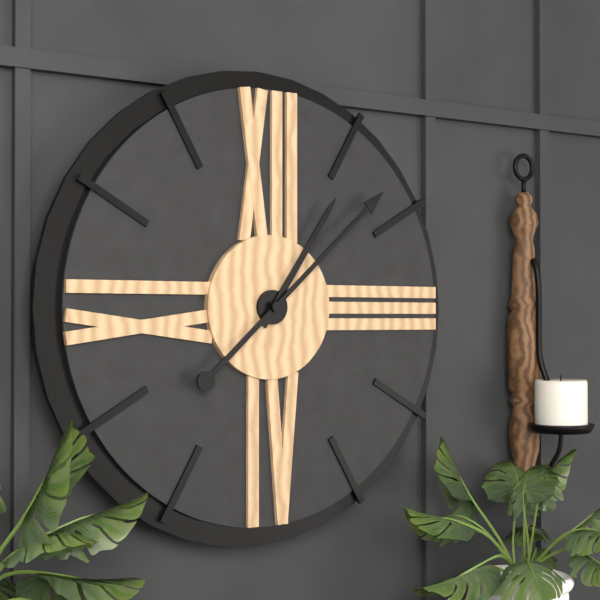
1:08
